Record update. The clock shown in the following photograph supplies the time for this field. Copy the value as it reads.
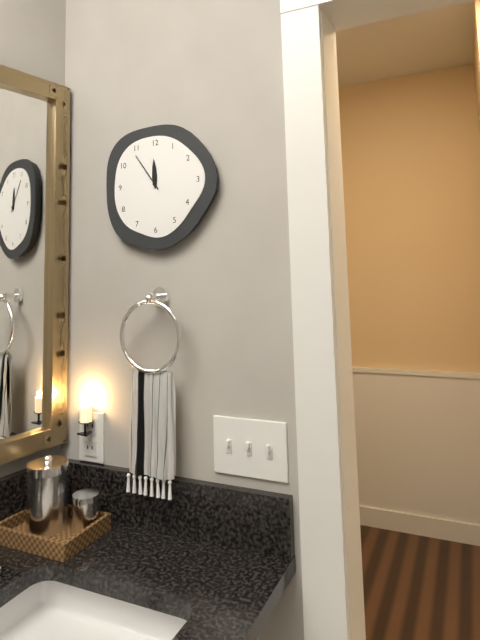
11:54
